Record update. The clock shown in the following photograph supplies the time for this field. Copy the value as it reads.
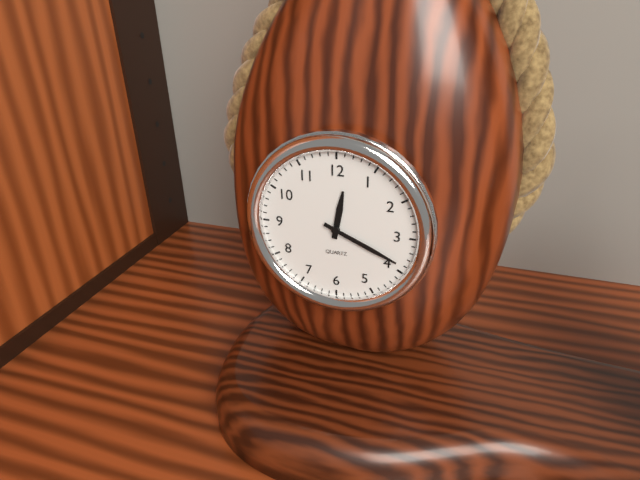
12:19
